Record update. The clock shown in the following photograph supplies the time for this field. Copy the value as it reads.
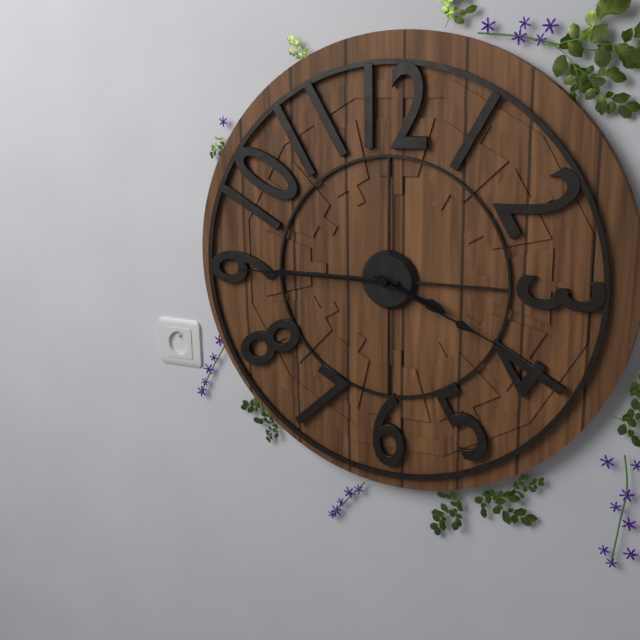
3:45:19
